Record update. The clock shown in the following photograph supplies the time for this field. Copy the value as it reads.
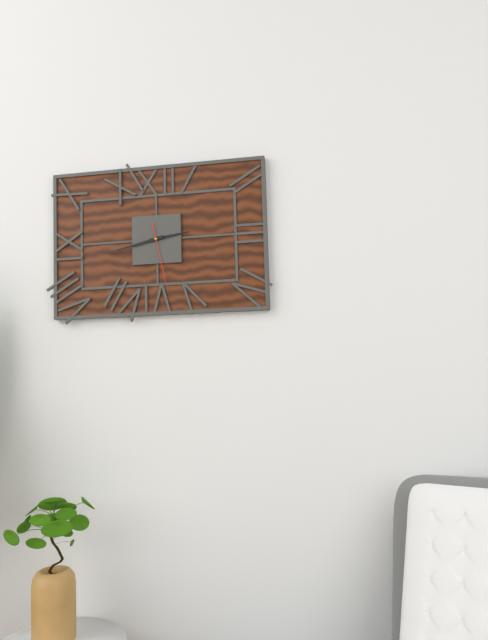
2:43:28
